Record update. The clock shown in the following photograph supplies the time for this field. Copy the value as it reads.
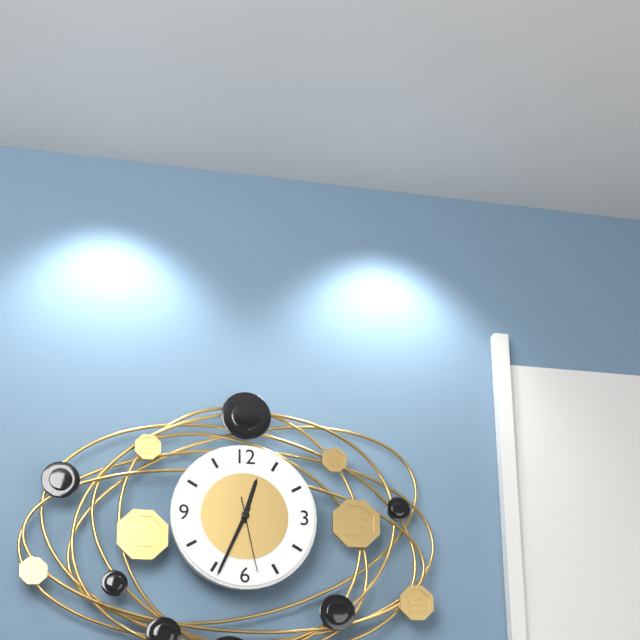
12:34:28
